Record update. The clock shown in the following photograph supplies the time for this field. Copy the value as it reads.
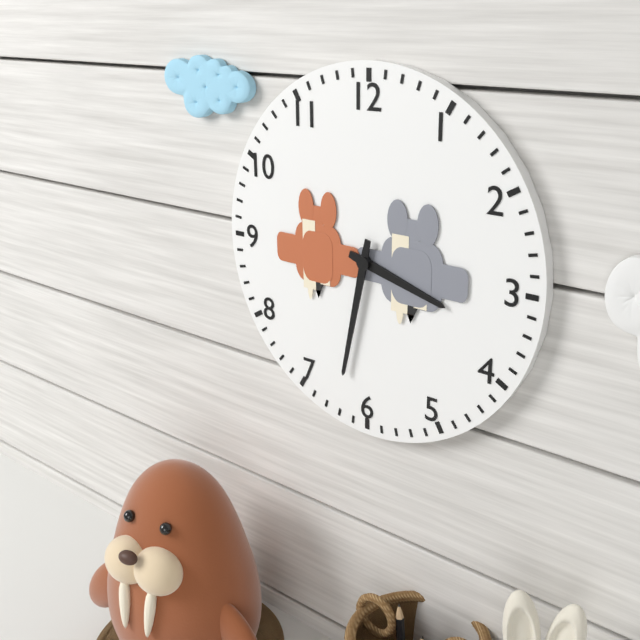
3:32
